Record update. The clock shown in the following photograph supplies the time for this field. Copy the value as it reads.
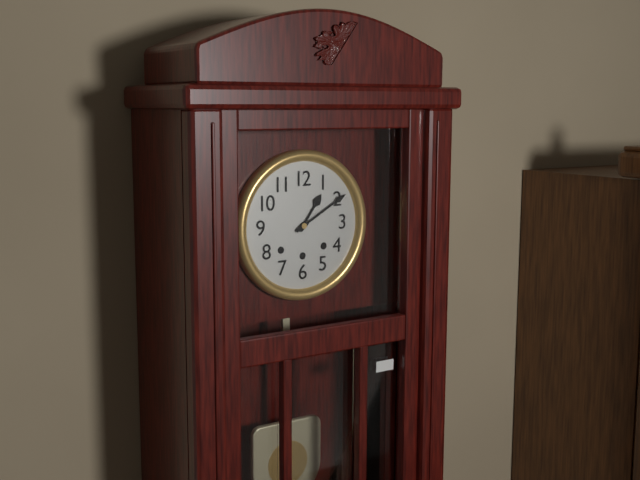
1:10
